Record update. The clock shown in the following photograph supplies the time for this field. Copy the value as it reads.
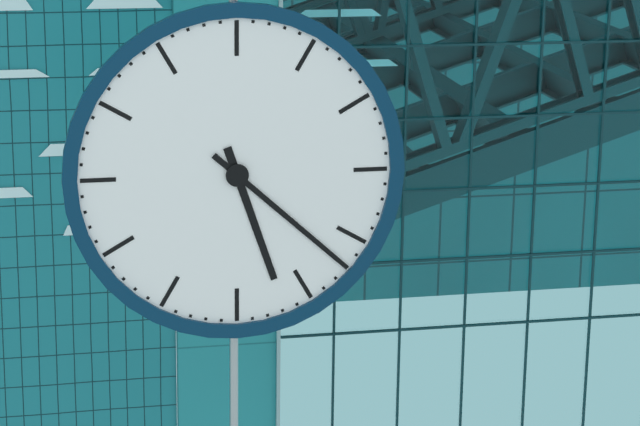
5:22
